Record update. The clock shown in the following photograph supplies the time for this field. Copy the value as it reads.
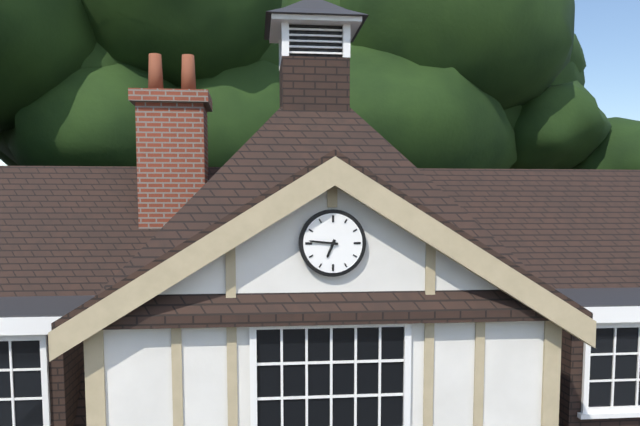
6:46
